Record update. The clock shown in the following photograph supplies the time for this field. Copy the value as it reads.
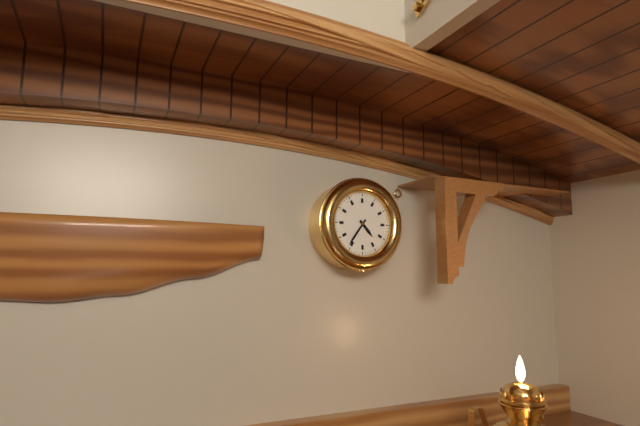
4:36
